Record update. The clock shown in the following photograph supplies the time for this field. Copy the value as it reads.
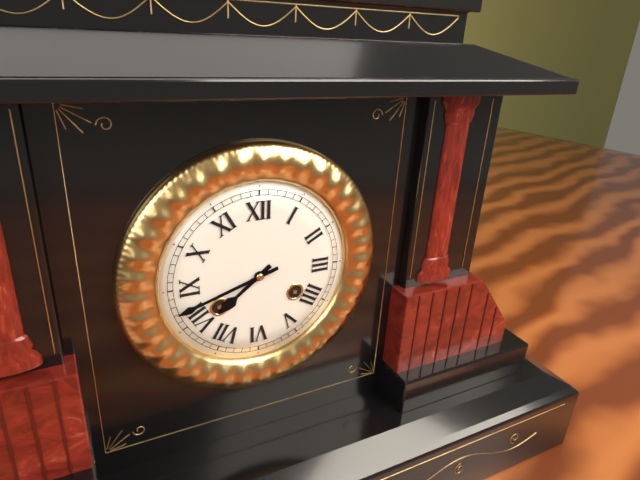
7:42
